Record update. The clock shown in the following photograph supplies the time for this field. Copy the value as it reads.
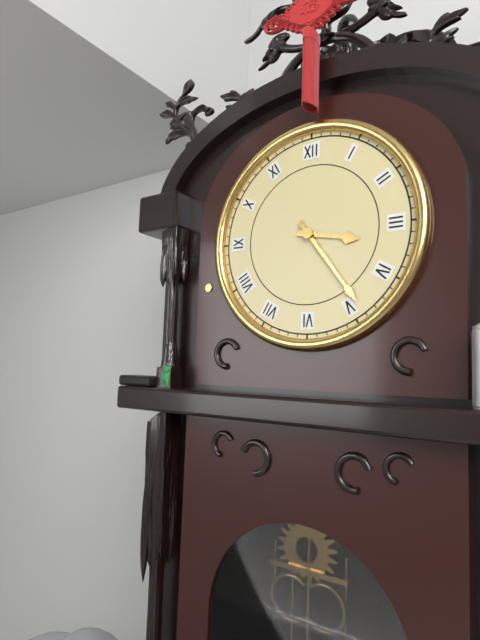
3:24
